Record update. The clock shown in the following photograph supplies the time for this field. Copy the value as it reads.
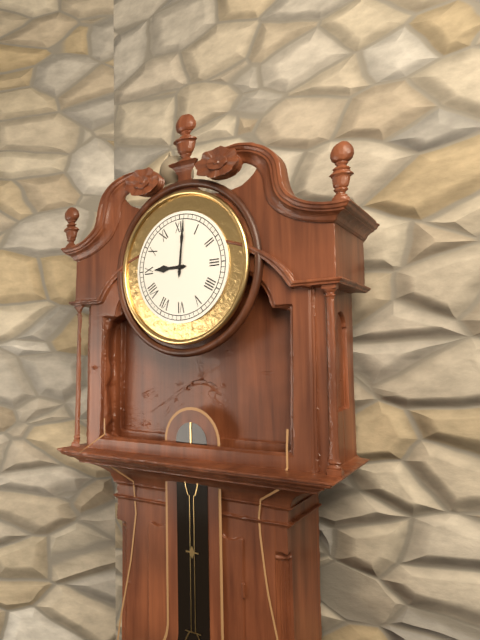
9:01
